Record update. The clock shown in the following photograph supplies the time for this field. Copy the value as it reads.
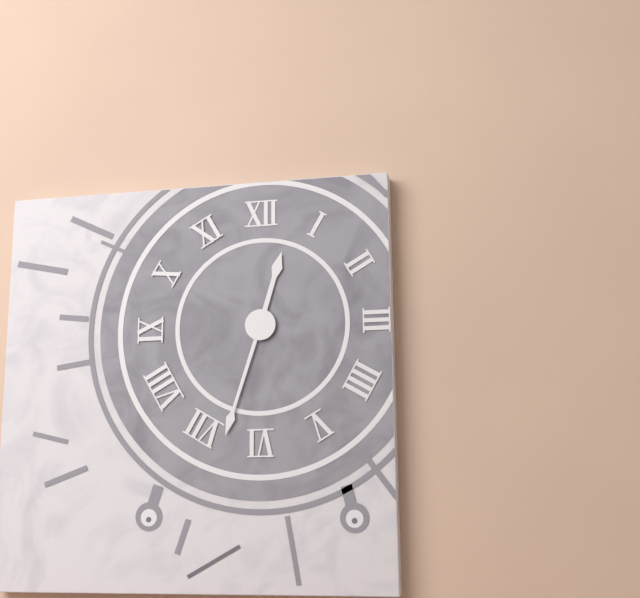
12:33
